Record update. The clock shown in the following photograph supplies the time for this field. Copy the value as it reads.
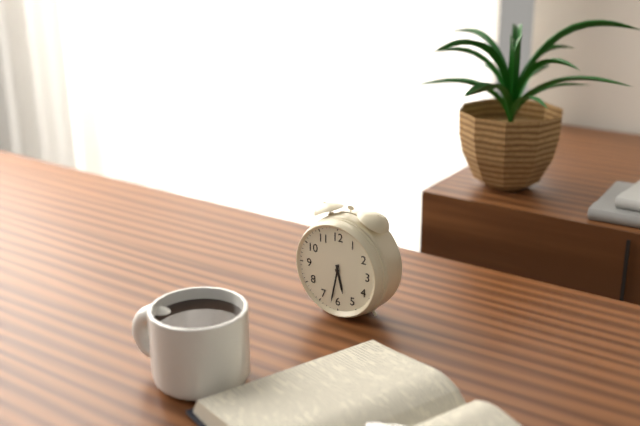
5:32
